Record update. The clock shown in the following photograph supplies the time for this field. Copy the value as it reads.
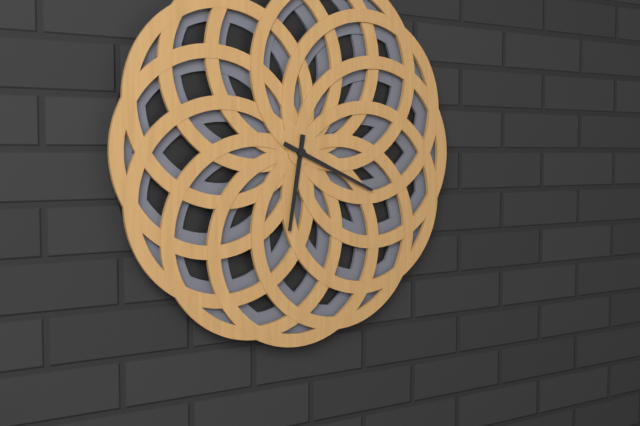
6:19
